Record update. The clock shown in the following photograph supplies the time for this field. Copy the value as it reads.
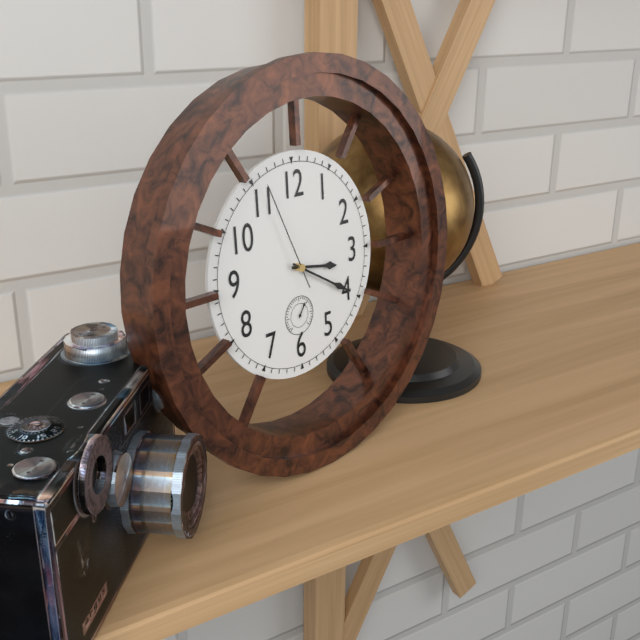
3:20:56
